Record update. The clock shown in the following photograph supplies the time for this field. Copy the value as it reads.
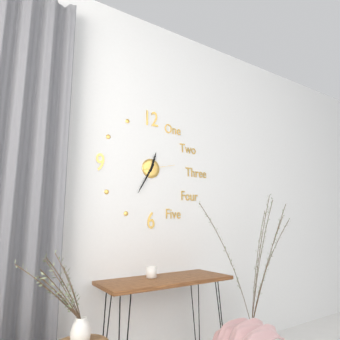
12:35
